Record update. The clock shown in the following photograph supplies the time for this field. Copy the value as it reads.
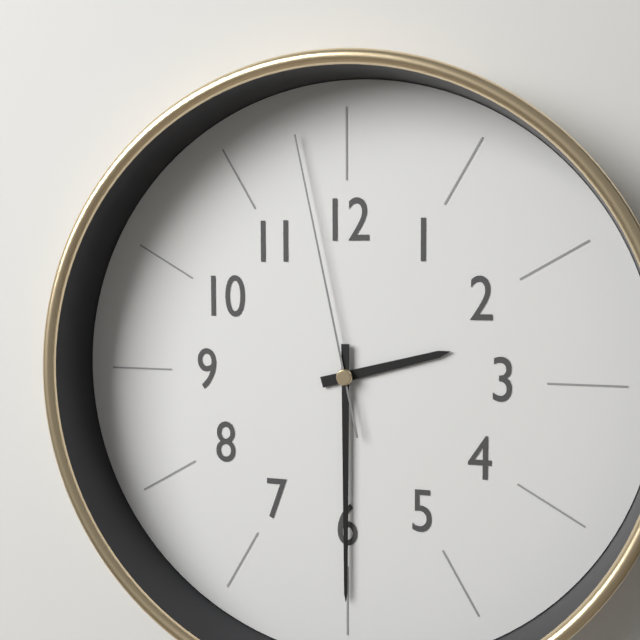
2:30:58
